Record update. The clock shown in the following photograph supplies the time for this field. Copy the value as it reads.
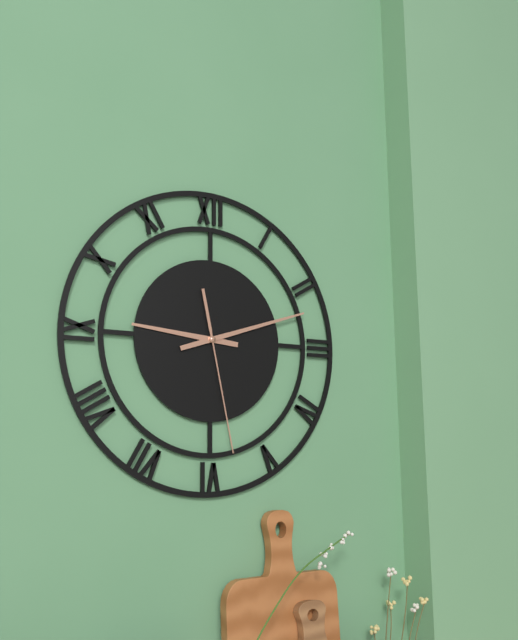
9:12:28
